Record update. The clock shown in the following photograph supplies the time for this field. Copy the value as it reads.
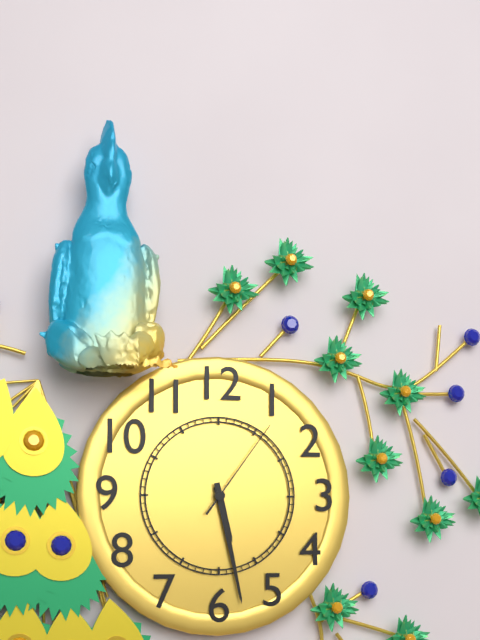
5:28:06
